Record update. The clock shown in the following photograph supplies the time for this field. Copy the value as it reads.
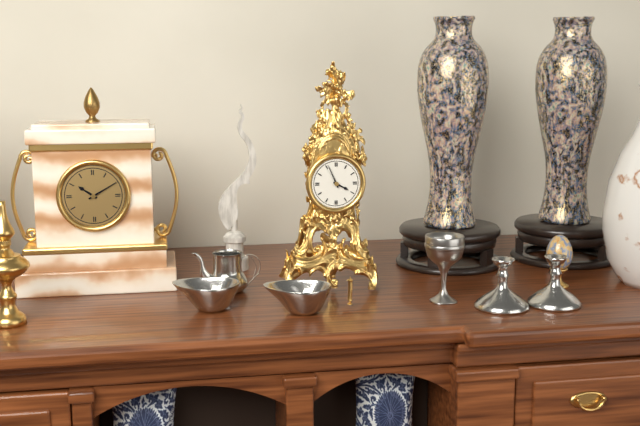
3:56
